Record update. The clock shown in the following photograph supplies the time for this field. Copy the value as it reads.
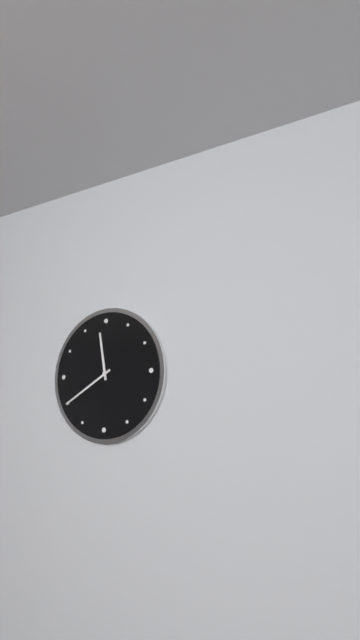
11:40
